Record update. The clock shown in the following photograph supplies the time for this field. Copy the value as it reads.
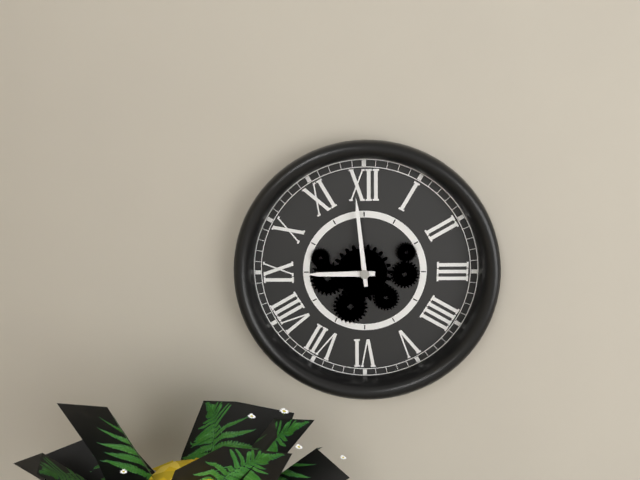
8:59
